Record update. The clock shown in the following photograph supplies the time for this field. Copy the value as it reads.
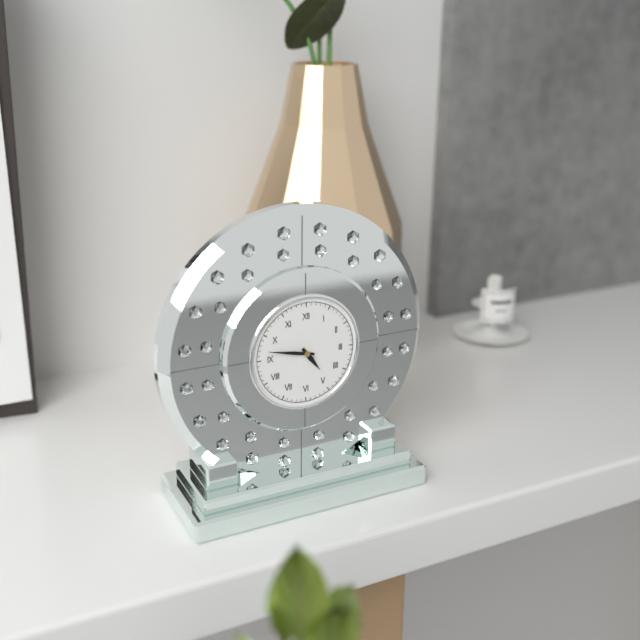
4:47
